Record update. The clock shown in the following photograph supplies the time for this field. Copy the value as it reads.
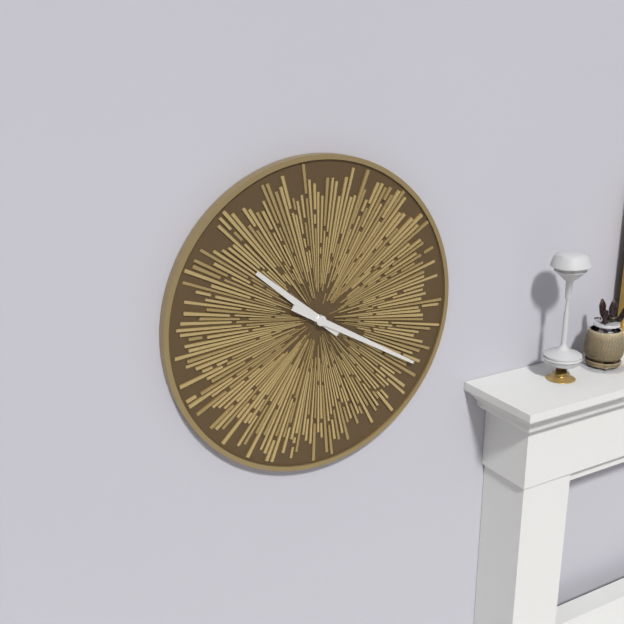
10:20
